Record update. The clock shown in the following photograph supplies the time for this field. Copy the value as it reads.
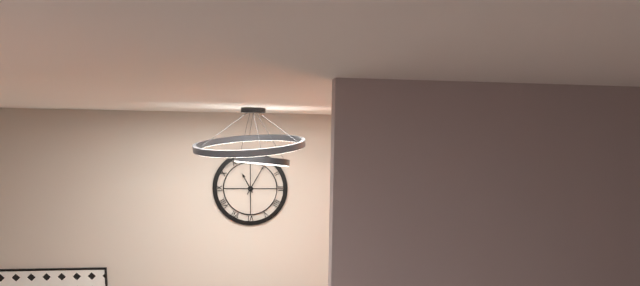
11:05
